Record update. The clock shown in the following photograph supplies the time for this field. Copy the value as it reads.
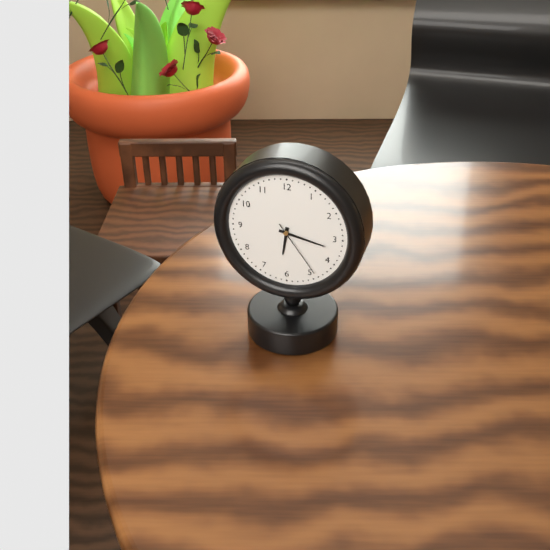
6:17:24
